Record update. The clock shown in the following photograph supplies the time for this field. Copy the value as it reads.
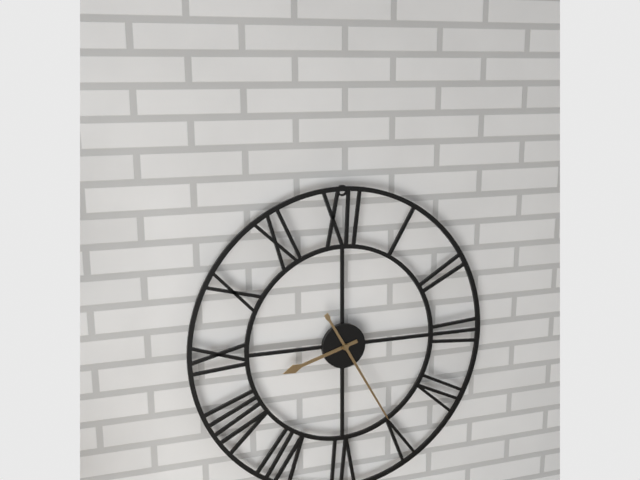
8:25
